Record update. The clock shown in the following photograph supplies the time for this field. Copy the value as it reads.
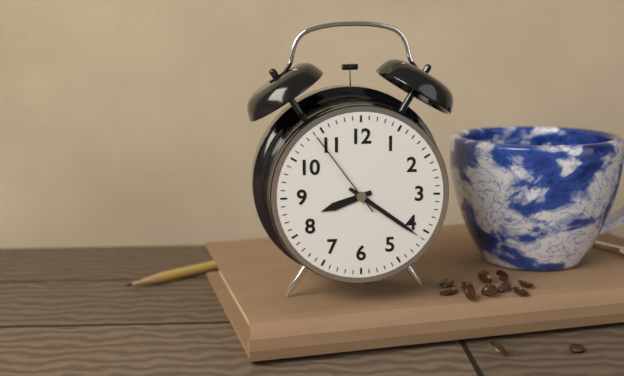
8:21:54
